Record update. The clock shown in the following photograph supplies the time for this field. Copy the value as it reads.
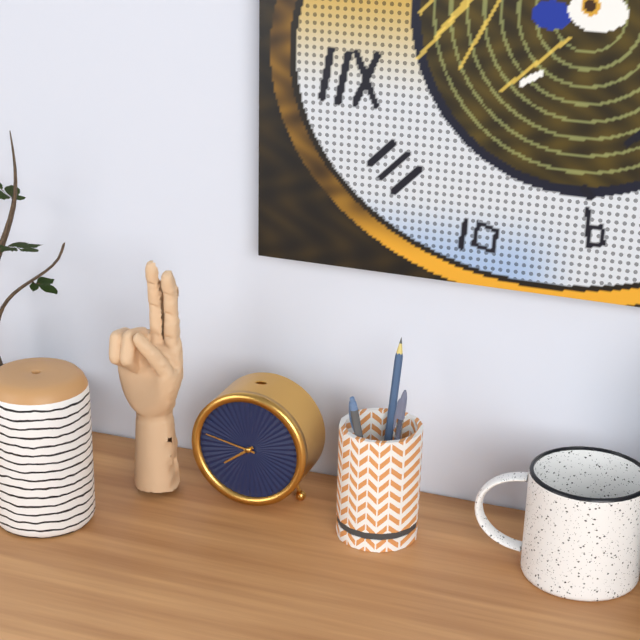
7:47
